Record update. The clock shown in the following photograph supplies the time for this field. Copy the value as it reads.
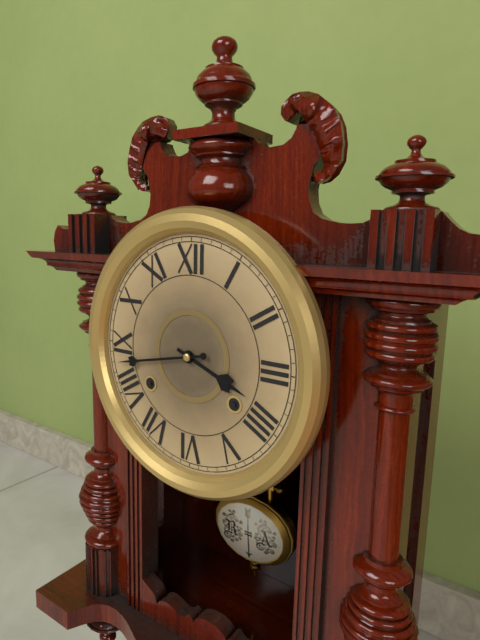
3:43
